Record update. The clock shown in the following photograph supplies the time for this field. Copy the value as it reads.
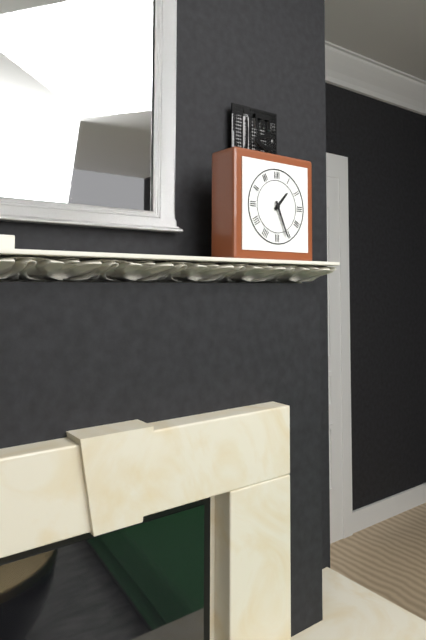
1:26
